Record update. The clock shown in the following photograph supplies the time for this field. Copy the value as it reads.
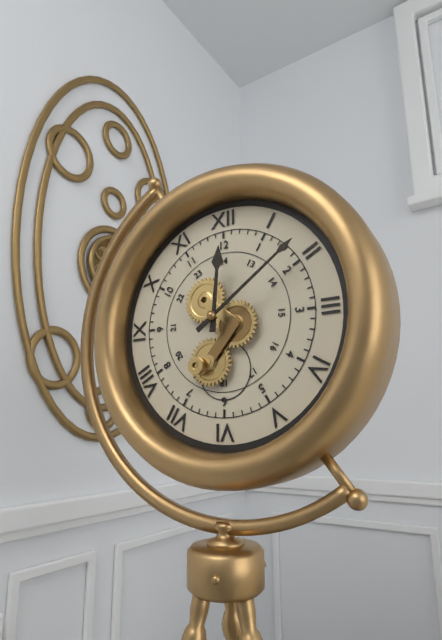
12:09
